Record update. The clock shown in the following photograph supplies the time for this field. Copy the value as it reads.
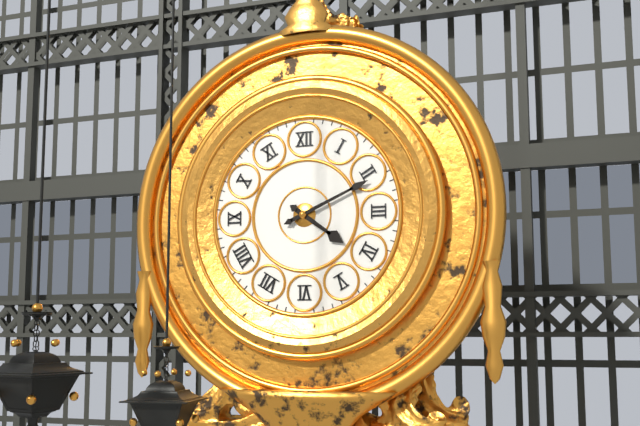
4:11
